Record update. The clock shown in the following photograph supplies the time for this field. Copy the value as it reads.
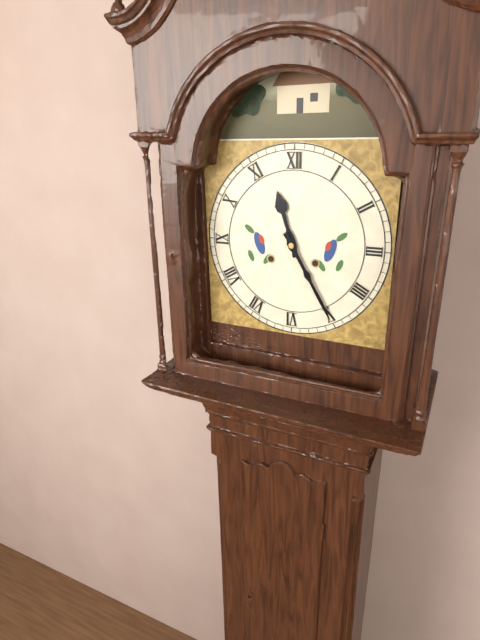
11:25
